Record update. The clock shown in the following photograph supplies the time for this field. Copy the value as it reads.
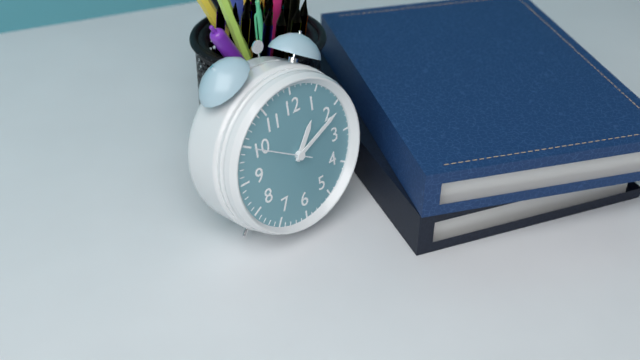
1:11:50
